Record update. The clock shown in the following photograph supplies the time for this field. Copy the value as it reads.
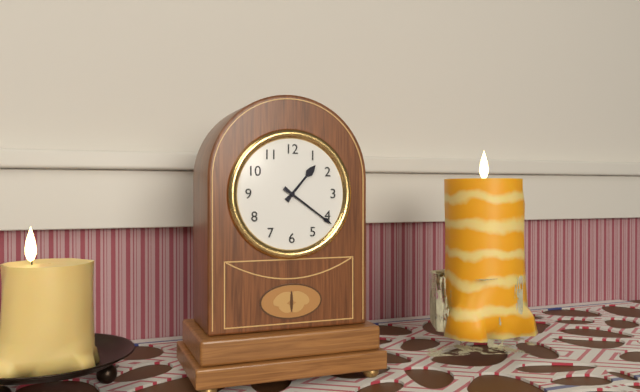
1:21
